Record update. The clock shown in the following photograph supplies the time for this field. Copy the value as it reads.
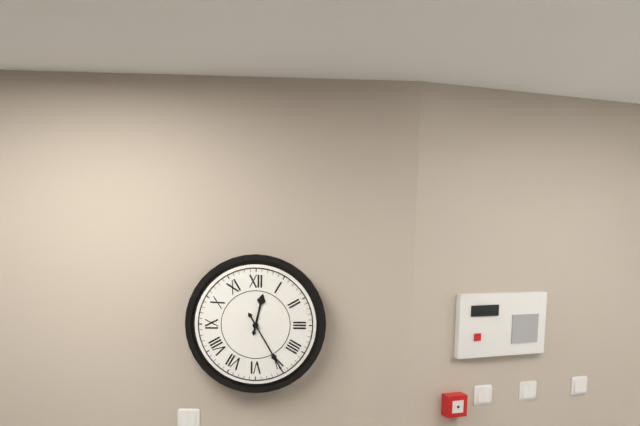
12:25
